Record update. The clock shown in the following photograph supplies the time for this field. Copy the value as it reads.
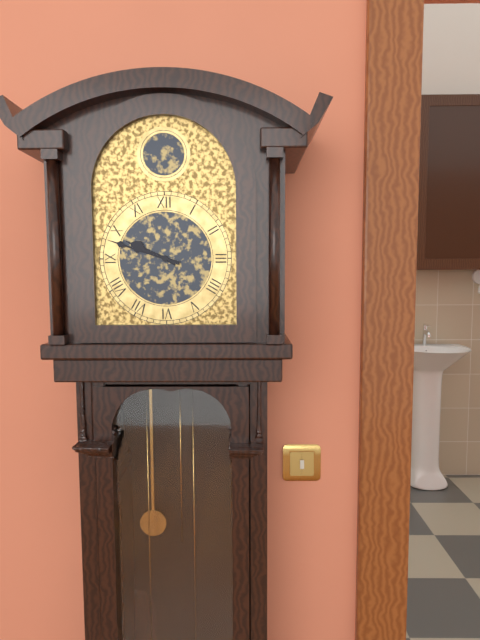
9:48
